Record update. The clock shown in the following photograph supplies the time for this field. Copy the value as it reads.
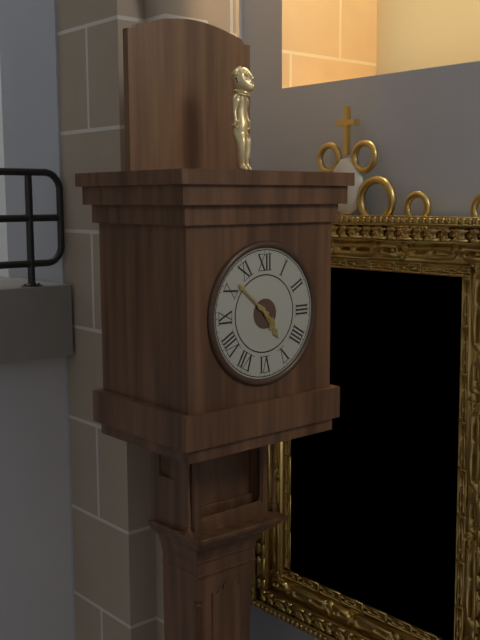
4:52
